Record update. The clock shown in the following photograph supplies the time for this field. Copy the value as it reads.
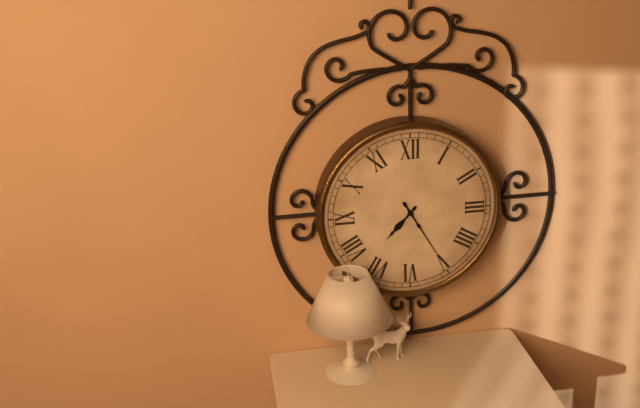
7:25
